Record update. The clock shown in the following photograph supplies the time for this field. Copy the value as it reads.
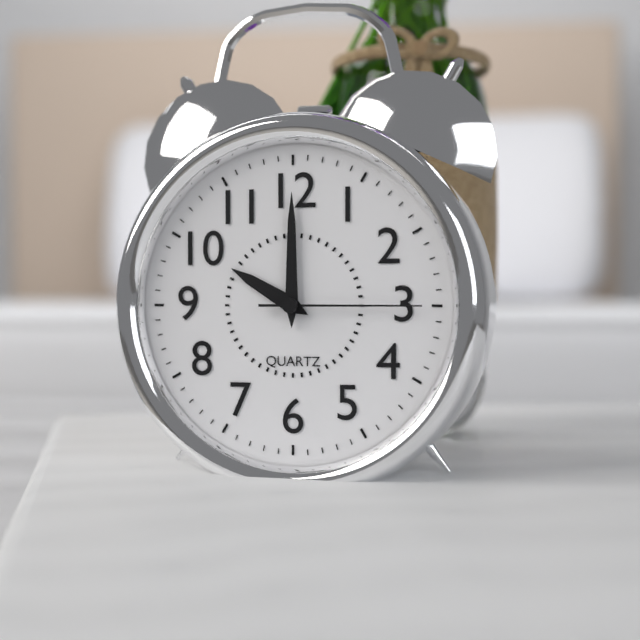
10:00:15
